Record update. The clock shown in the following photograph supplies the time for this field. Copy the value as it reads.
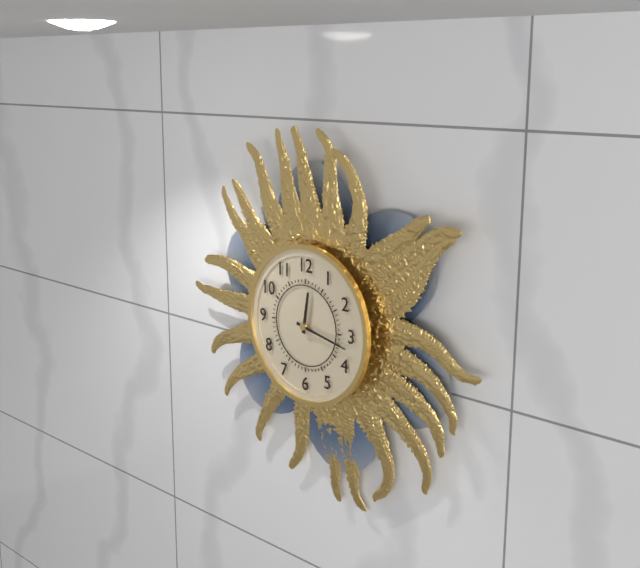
12:17
